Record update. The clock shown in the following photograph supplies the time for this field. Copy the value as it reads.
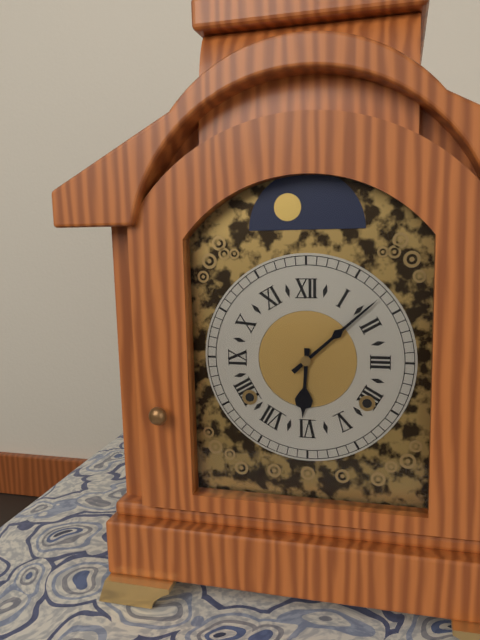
6:08
